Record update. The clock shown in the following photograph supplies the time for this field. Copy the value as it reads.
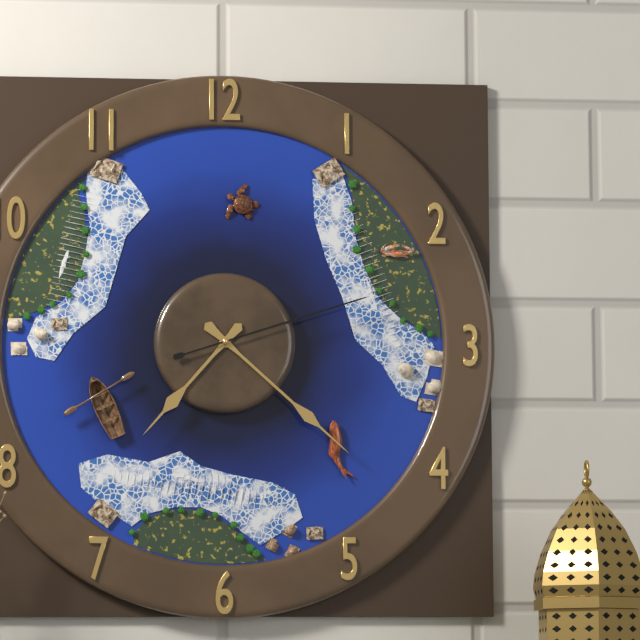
7:22:12
